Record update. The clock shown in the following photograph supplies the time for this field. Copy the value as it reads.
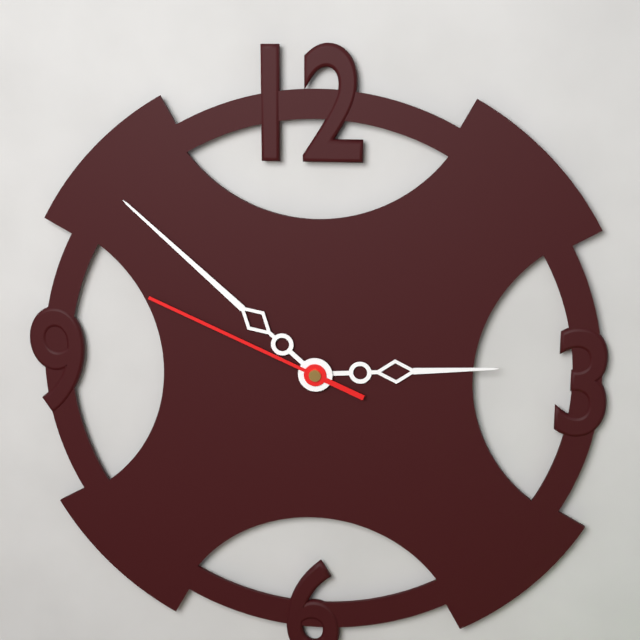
2:52:49
